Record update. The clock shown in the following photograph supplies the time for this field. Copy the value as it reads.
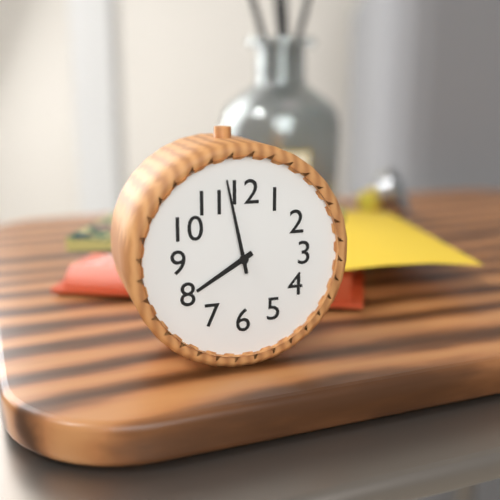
7:58
